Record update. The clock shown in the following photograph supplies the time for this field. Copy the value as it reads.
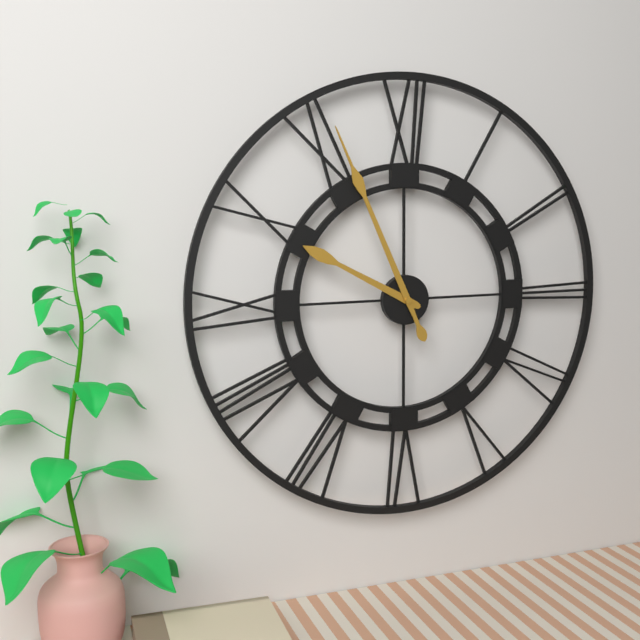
9:56
